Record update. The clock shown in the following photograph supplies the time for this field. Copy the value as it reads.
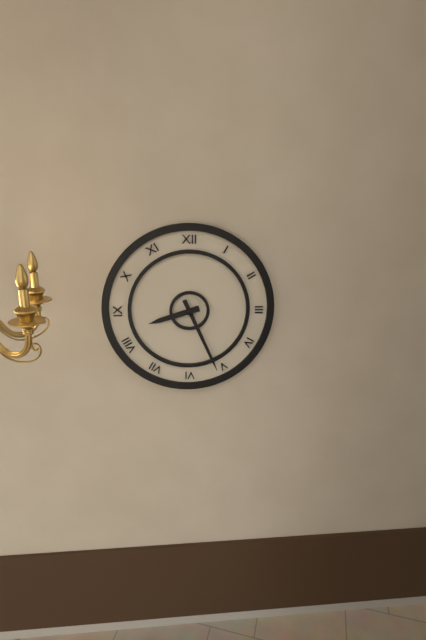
8:26
